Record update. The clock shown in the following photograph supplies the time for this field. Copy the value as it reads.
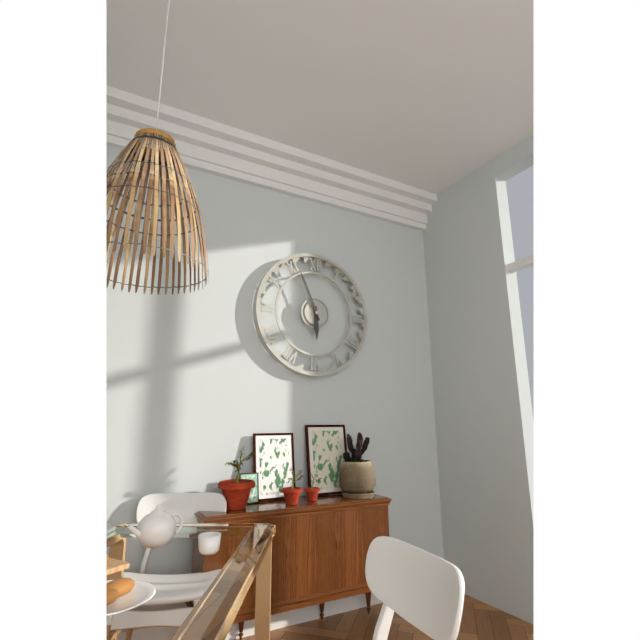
5:56
